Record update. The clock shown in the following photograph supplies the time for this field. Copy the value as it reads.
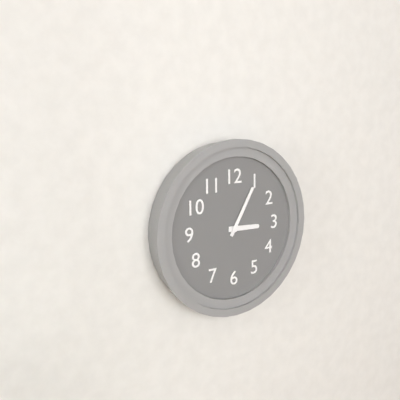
3:05
